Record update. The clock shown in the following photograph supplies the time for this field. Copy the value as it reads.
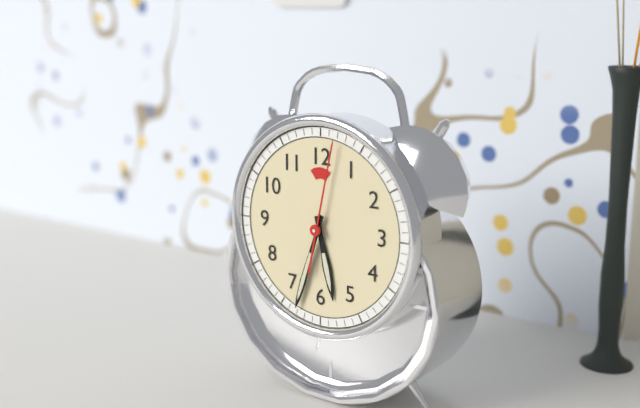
5:33:02
